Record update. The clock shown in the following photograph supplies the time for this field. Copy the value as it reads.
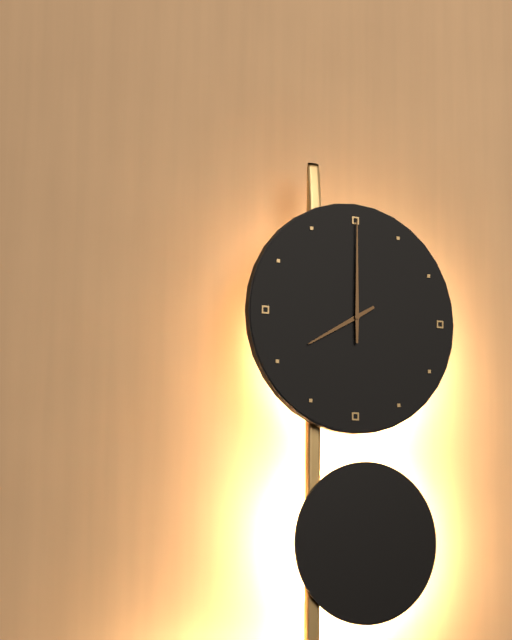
8:00
